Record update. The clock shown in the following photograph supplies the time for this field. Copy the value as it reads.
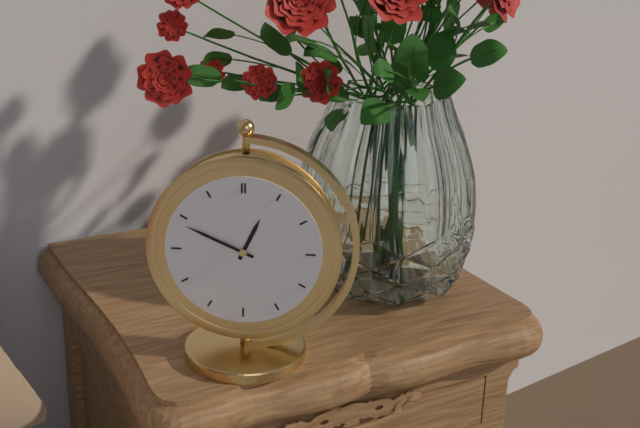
12:49
